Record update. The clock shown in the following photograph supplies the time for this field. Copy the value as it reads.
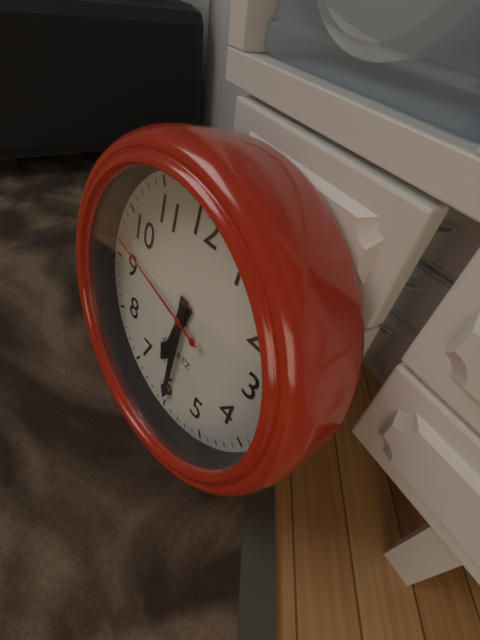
6:30:47
